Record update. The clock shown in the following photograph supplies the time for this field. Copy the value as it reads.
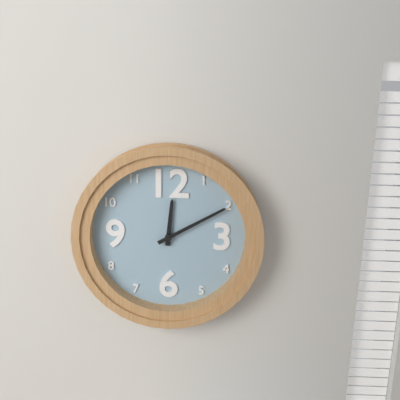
12:10
